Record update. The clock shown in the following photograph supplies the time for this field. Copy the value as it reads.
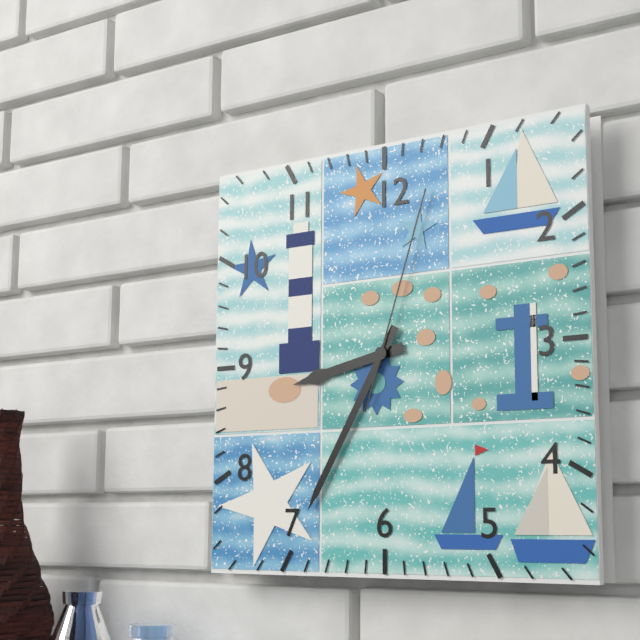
8:35:03
